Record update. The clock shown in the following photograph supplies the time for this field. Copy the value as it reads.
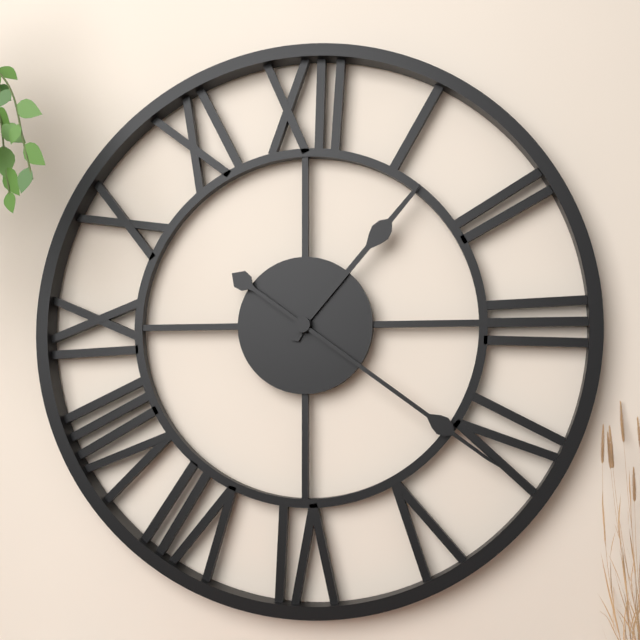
1:21
